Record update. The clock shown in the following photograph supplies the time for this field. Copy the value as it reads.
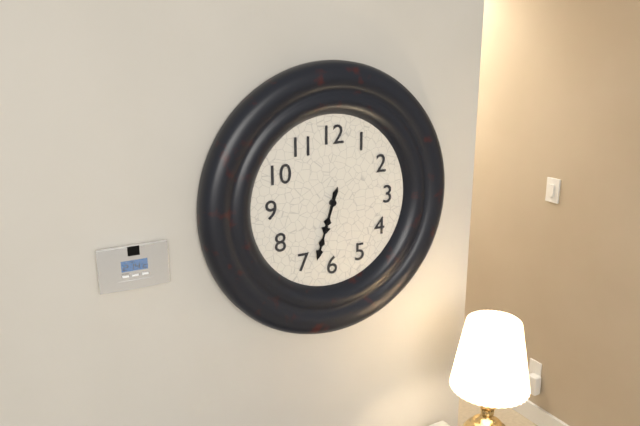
6:33
